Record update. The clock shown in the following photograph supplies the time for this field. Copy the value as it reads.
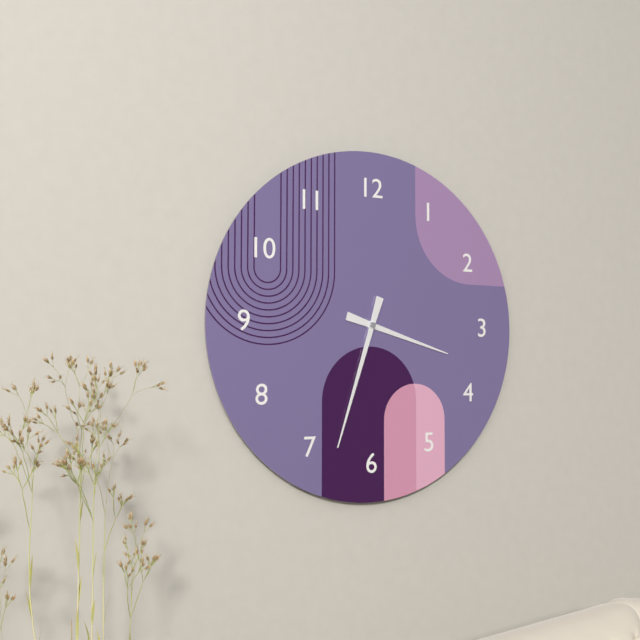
3:33
